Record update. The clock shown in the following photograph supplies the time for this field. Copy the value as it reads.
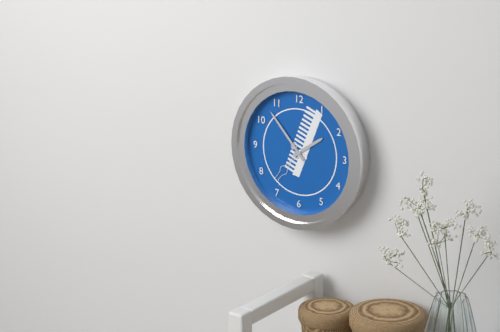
1:53
